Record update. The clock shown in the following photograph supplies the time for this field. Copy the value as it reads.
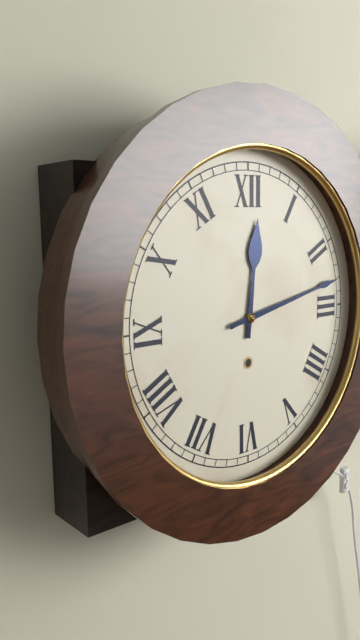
12:13
